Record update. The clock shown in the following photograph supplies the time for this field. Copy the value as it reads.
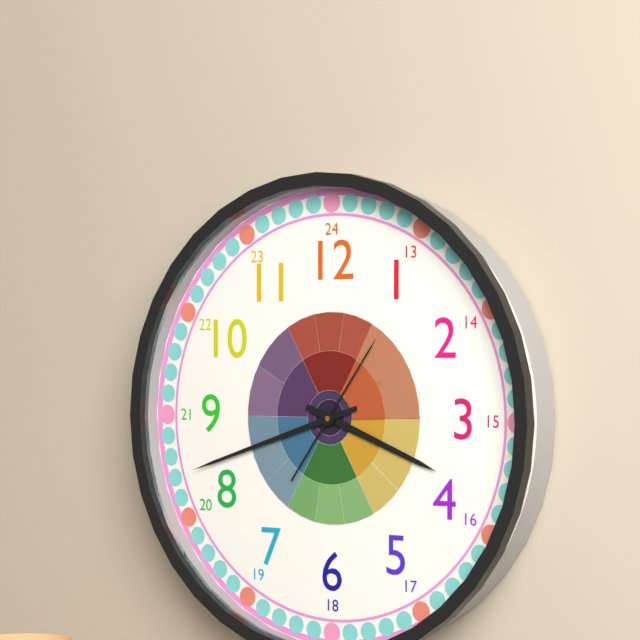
3:42:06
